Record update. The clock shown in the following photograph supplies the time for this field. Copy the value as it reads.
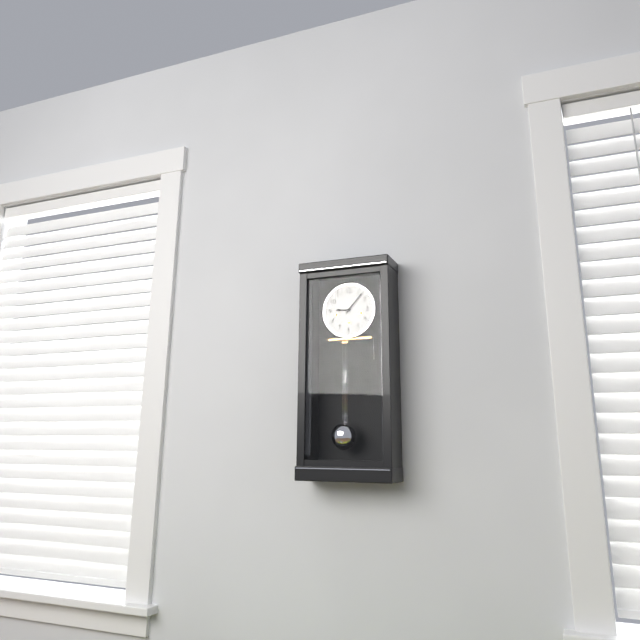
9:07
